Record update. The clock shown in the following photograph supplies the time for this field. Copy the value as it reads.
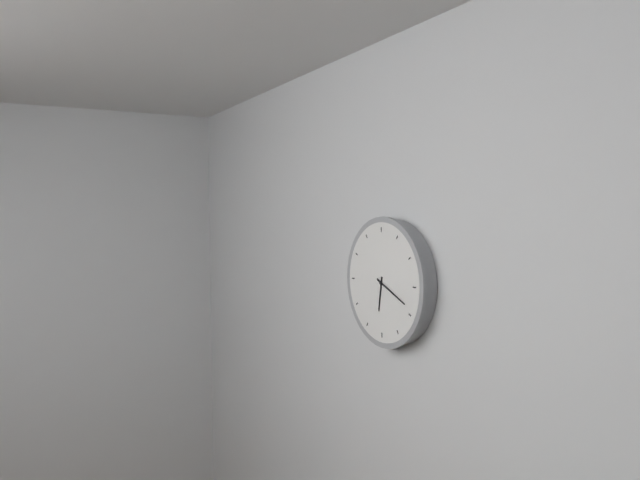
6:19
